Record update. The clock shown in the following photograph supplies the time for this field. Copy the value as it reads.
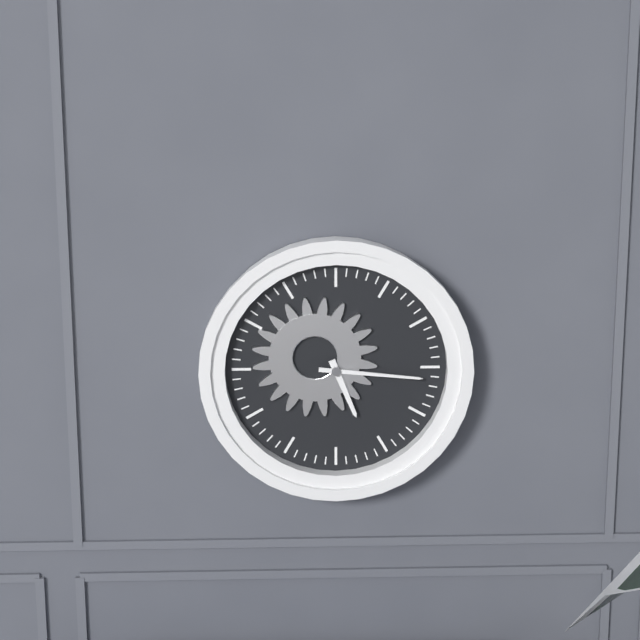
5:16
